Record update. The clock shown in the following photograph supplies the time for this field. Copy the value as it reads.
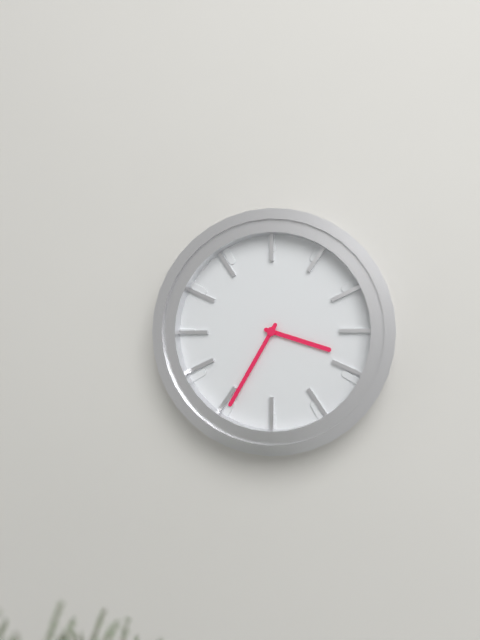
3:35
